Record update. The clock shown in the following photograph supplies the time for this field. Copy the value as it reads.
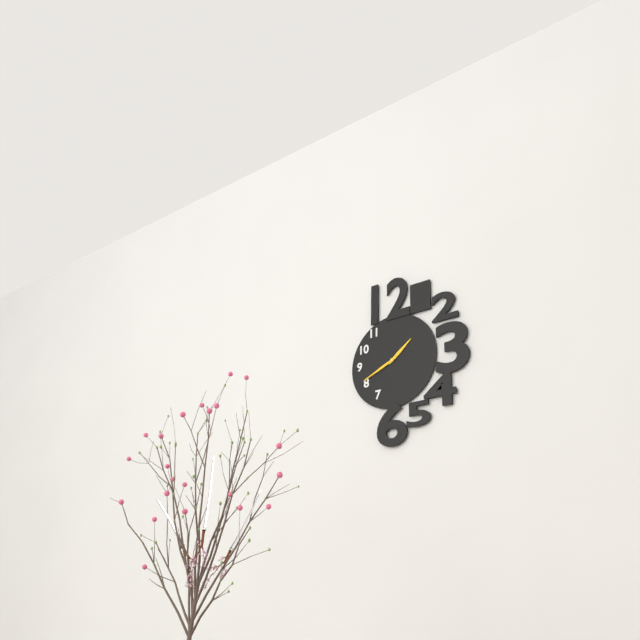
1:41
